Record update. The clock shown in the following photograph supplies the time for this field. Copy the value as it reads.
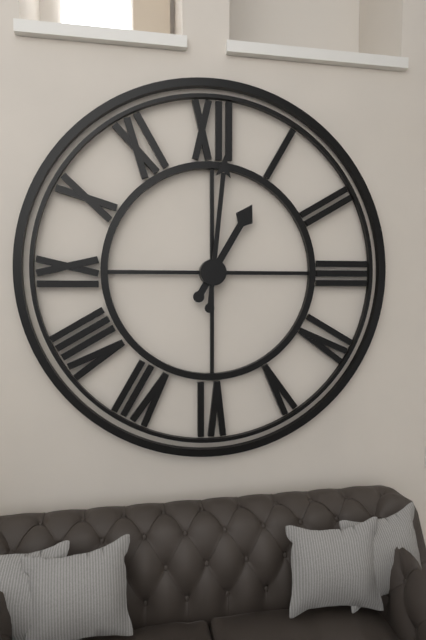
1:01
